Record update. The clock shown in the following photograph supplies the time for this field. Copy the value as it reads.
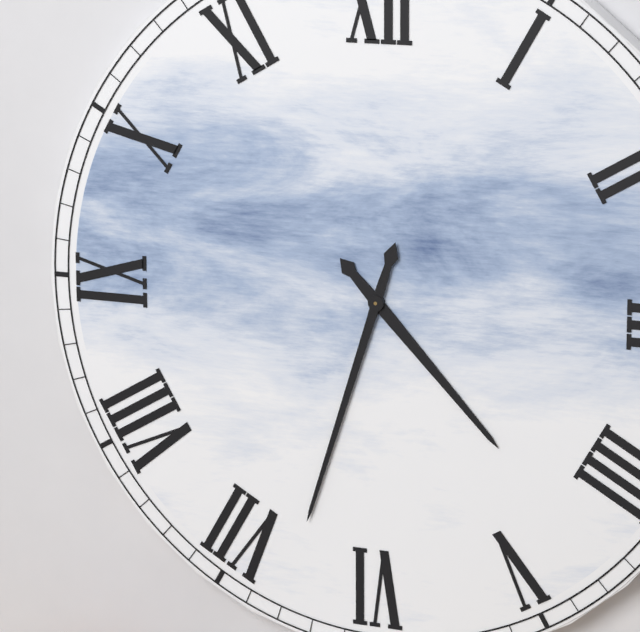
4:33
